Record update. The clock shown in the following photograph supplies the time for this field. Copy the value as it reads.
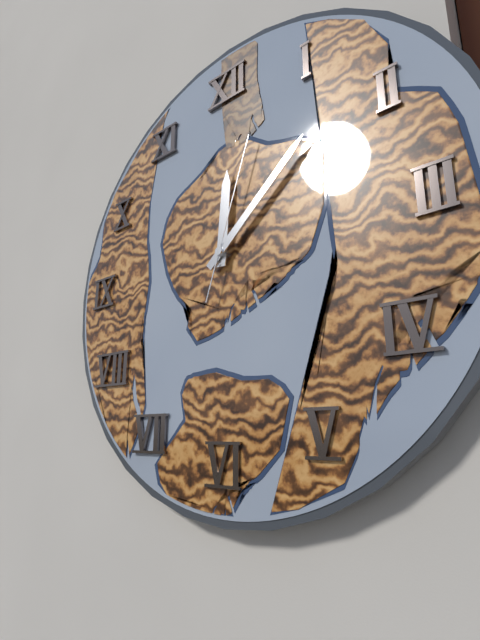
12:08:03
